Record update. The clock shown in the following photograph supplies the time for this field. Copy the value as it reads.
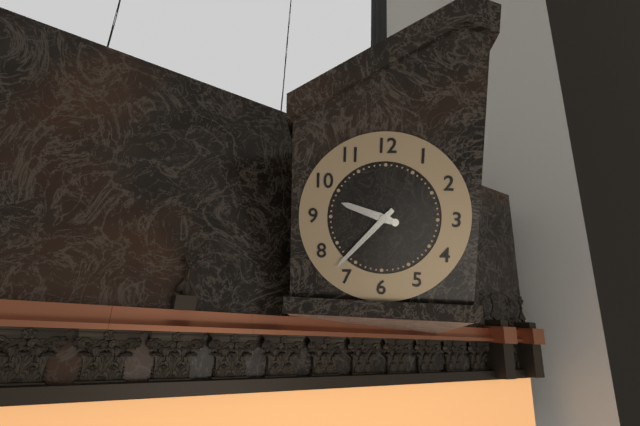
9:37
